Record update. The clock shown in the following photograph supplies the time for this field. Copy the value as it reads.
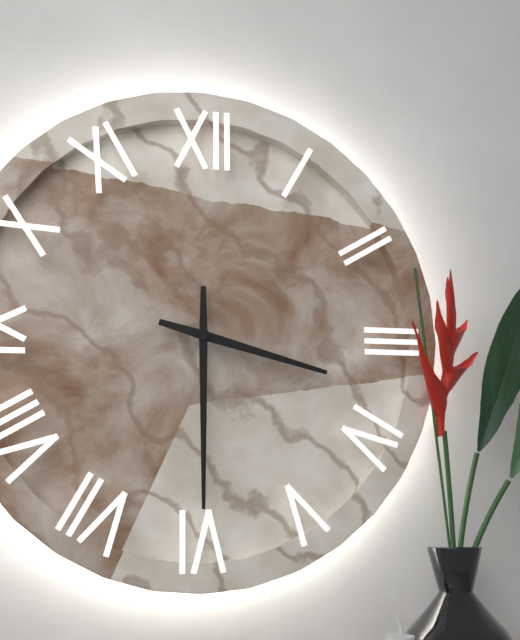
3:30
